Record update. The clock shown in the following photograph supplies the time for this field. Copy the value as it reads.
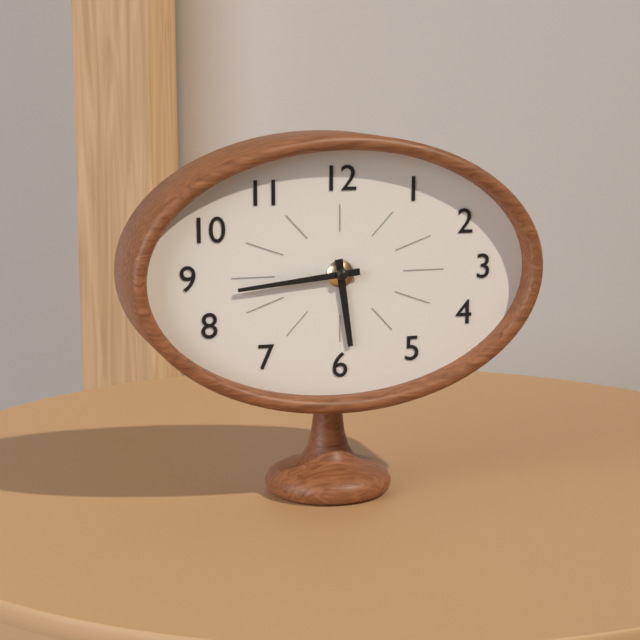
5:44
